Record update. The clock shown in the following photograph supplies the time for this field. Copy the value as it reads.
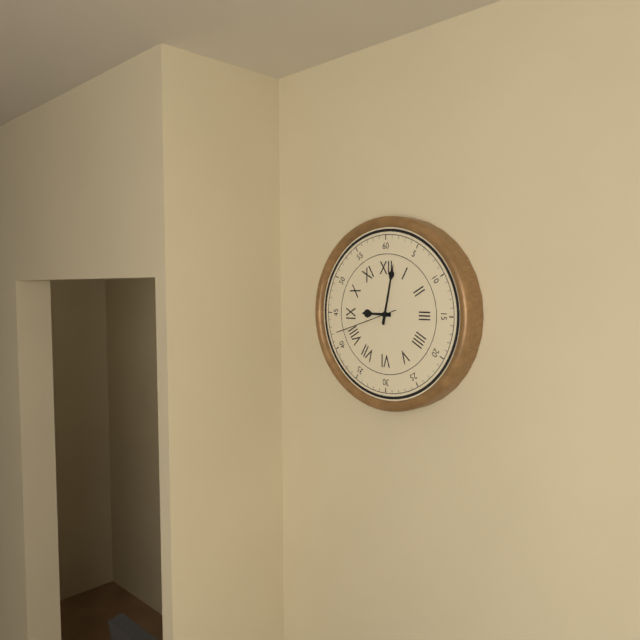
9:02:42
